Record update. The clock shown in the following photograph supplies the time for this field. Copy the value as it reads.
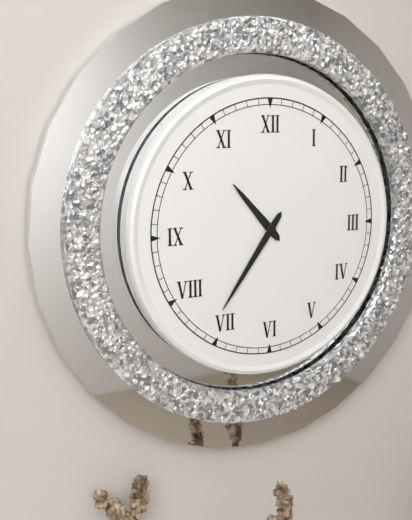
10:36
